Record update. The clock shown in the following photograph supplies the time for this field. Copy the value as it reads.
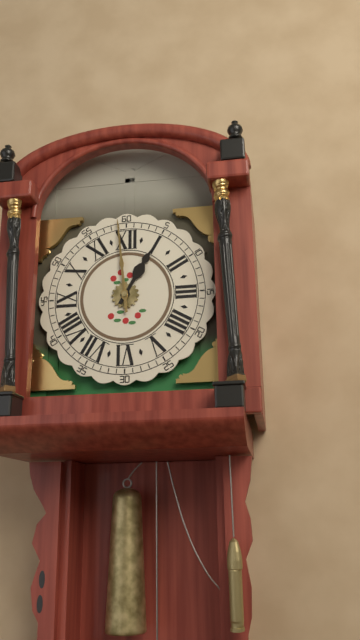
12:59
